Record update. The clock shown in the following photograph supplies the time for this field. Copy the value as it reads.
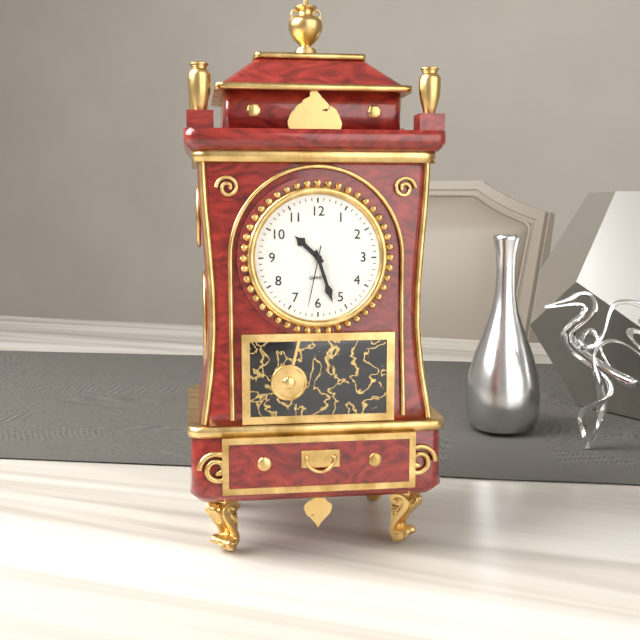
10:27:32
